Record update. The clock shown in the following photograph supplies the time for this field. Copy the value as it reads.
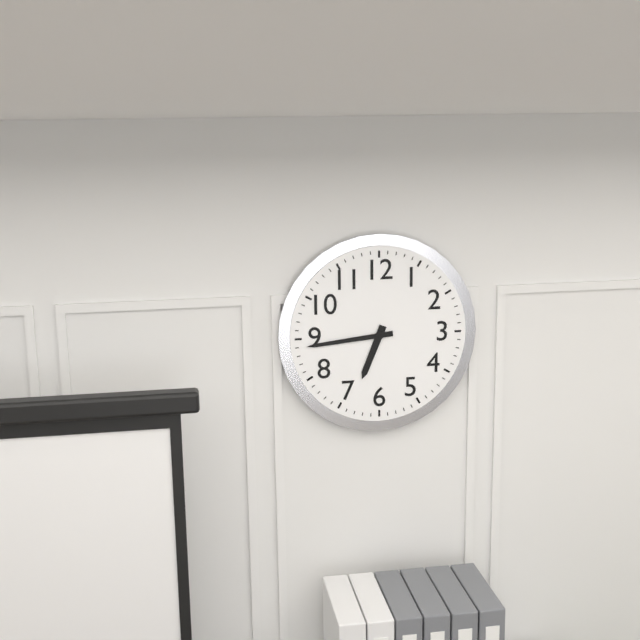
6:44
